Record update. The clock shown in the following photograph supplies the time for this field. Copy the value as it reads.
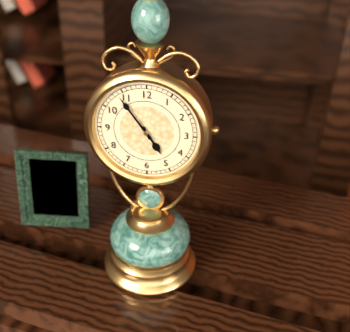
4:54
